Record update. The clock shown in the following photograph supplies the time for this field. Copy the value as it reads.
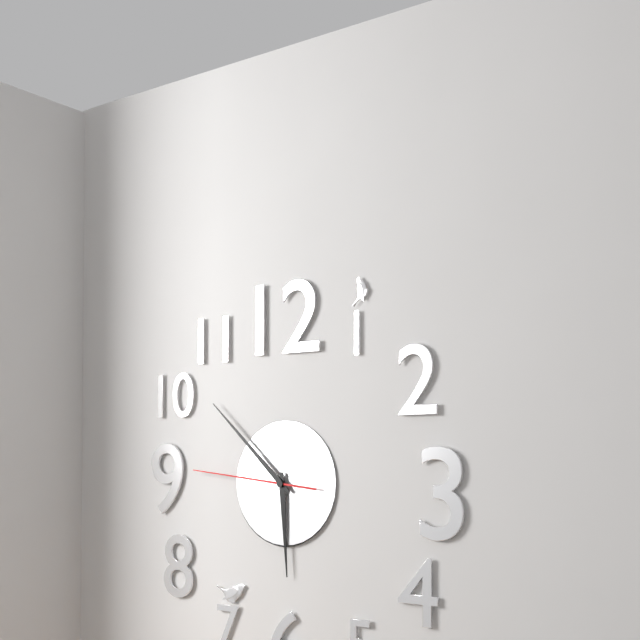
5:52:46
